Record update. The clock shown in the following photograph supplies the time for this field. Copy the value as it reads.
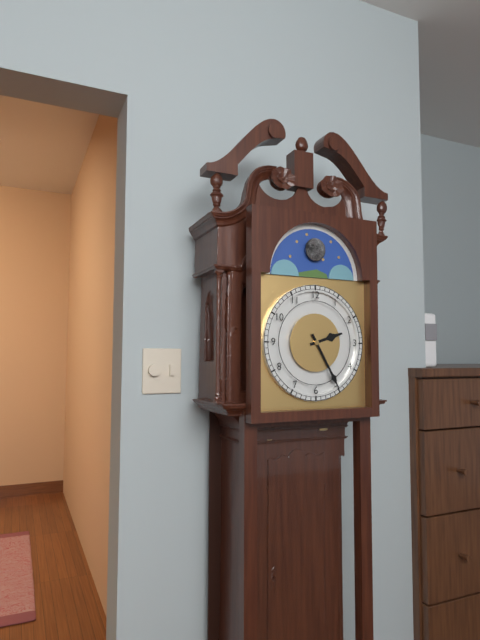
2:25
